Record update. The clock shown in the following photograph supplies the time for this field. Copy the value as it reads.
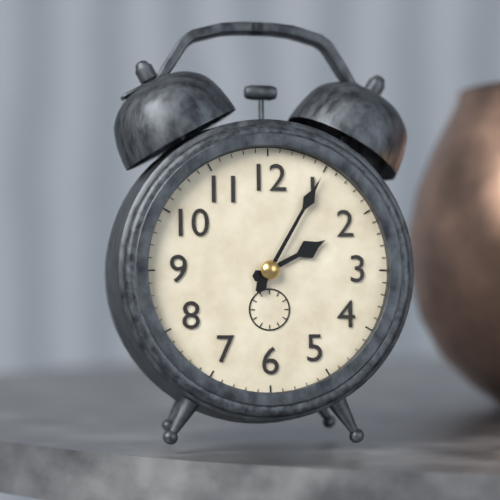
2:05
